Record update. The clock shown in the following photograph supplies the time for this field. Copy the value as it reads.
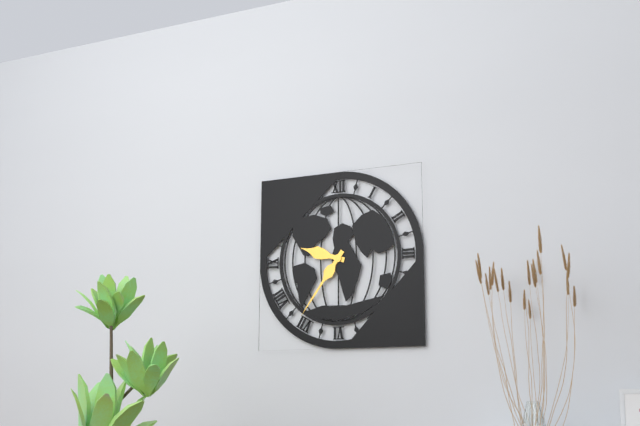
9:36
